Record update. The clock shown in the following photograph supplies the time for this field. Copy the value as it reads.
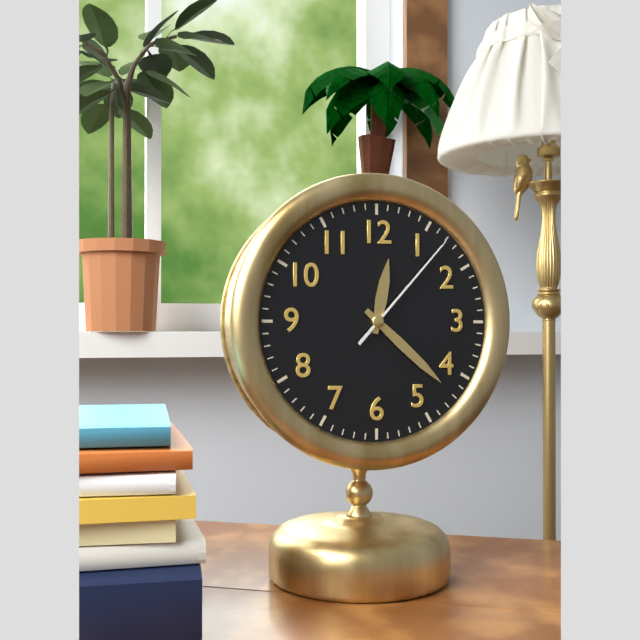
12:22:07
